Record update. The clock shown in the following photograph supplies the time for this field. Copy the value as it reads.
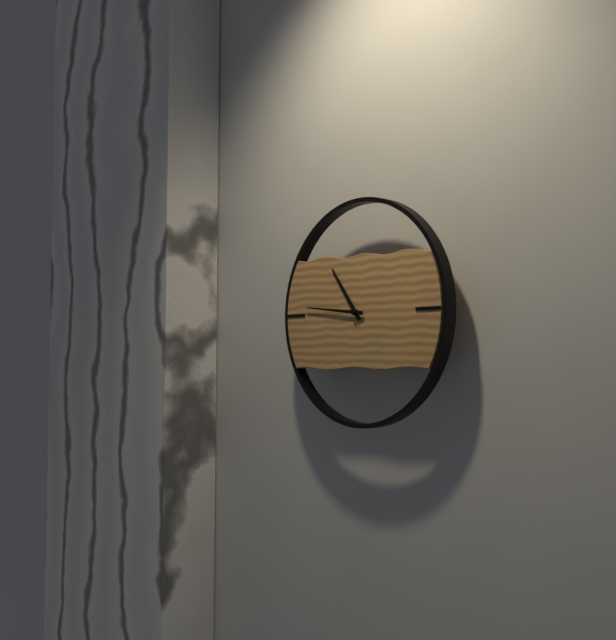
10:46
